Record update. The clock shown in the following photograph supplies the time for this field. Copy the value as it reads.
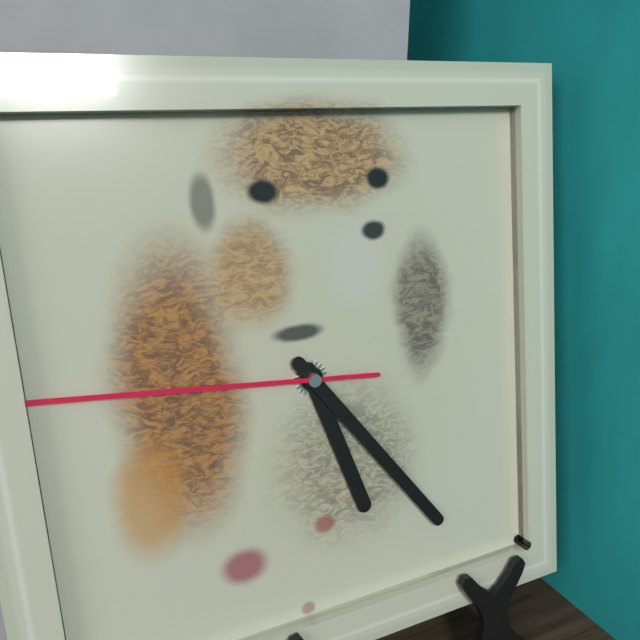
5:24:46
